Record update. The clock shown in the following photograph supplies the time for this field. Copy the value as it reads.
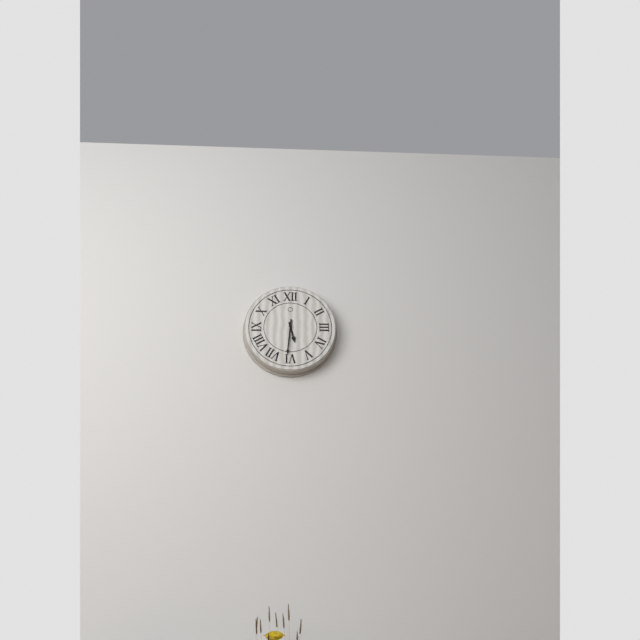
5:31
